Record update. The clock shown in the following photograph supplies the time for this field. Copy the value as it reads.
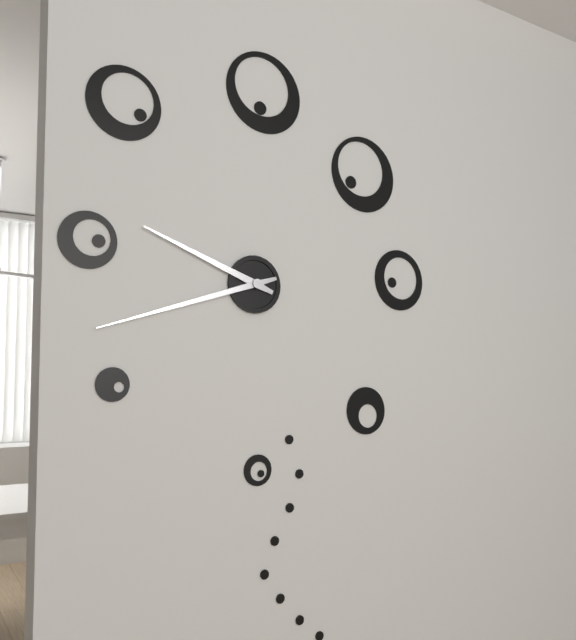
9:42
